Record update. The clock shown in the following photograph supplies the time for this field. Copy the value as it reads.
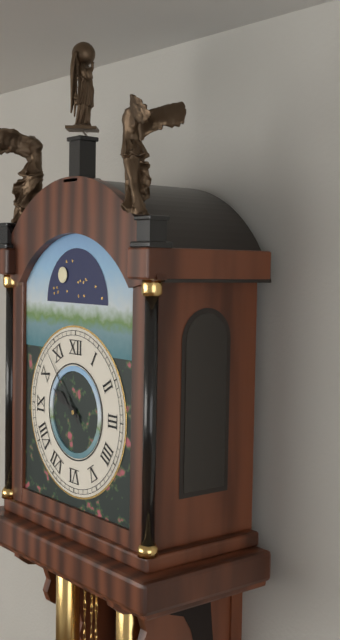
9:53
